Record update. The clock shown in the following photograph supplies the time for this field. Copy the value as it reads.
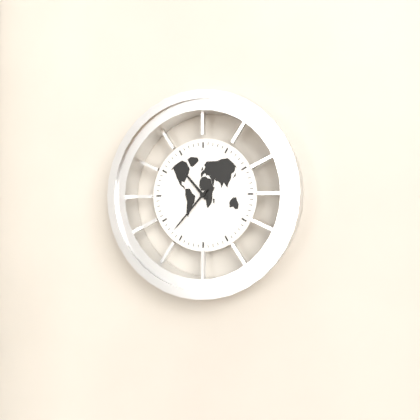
10:37
